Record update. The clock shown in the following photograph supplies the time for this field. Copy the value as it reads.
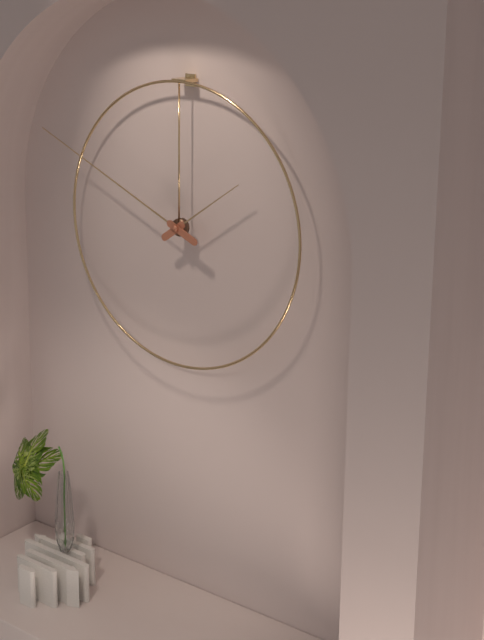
1:49
